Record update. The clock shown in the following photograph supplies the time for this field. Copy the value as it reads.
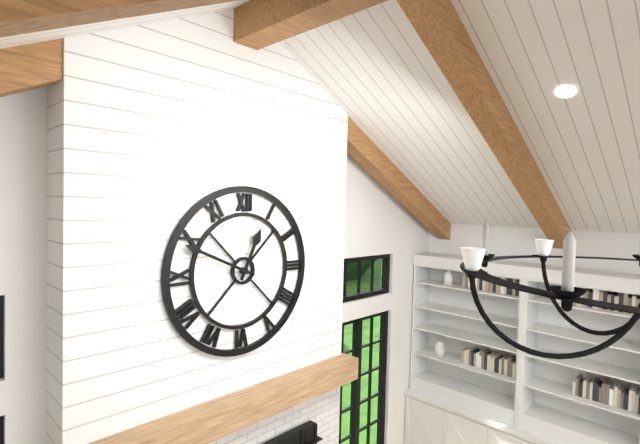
12:49
